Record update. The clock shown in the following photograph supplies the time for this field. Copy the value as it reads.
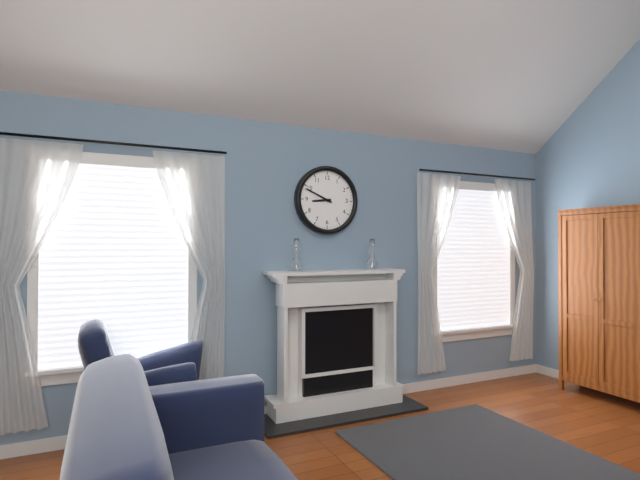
8:49
